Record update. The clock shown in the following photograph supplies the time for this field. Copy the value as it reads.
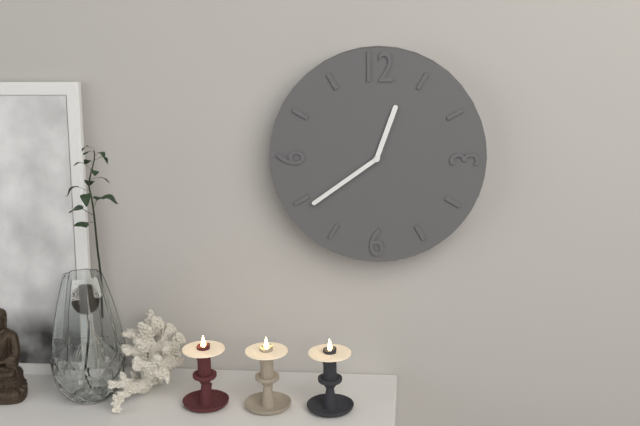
12:39
